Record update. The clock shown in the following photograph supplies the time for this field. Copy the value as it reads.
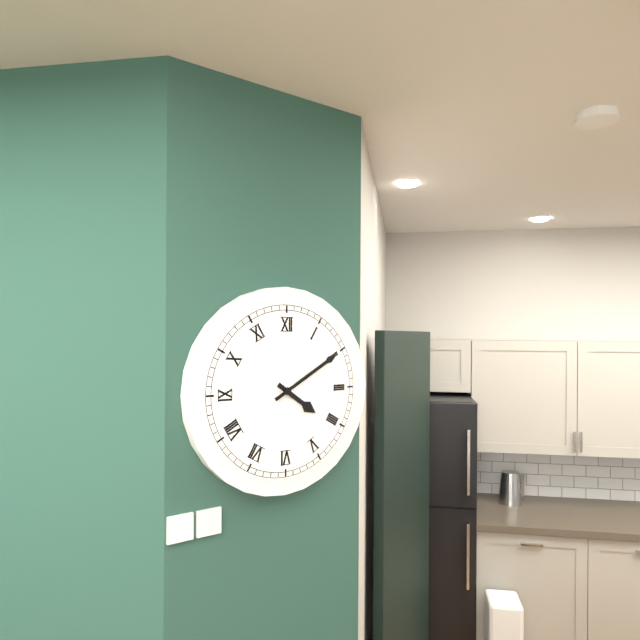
4:10
